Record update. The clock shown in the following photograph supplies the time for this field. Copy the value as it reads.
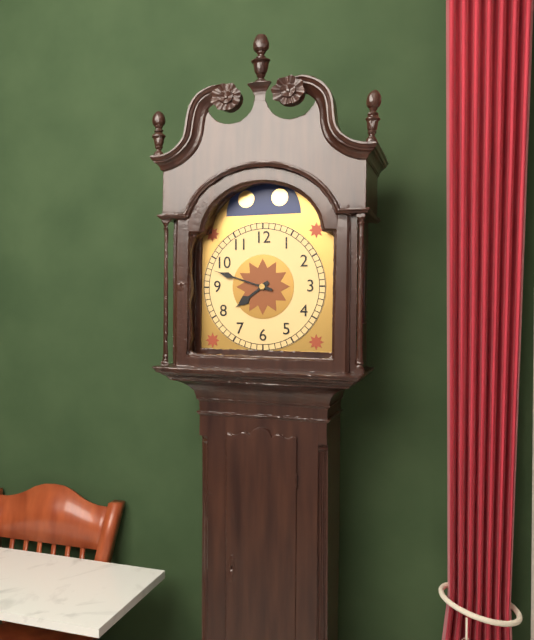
7:48
